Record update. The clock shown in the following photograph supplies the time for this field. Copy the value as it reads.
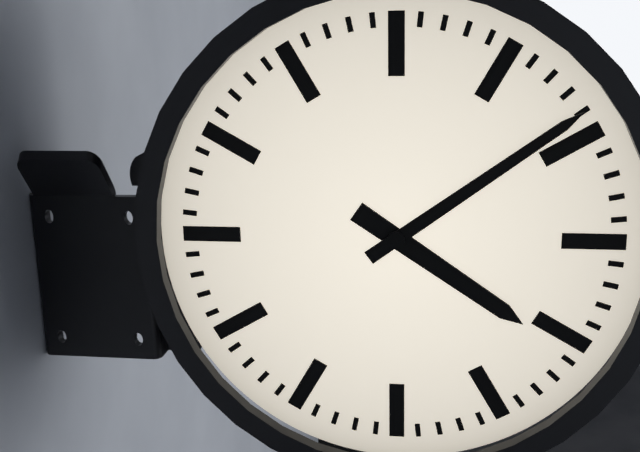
4:09
